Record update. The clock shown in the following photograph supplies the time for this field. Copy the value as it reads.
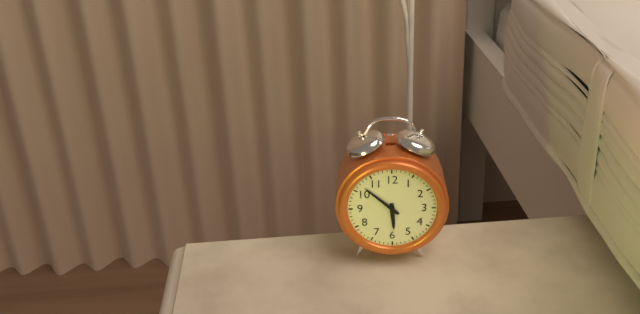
5:52
